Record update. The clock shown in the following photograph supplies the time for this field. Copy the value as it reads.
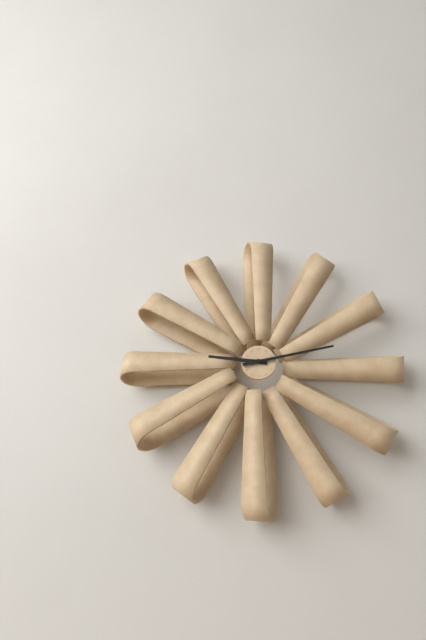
9:13
